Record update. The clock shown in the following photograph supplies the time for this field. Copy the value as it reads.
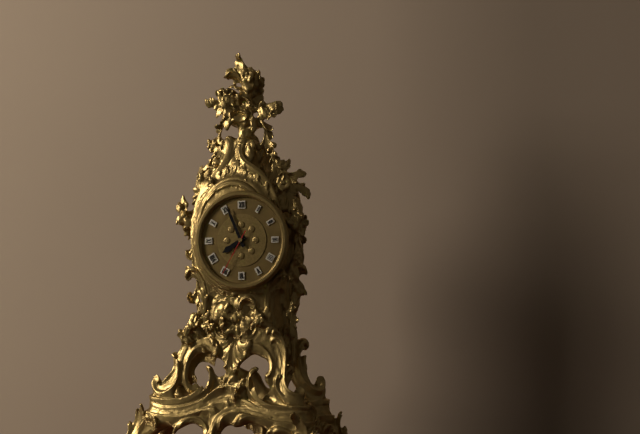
7:56
